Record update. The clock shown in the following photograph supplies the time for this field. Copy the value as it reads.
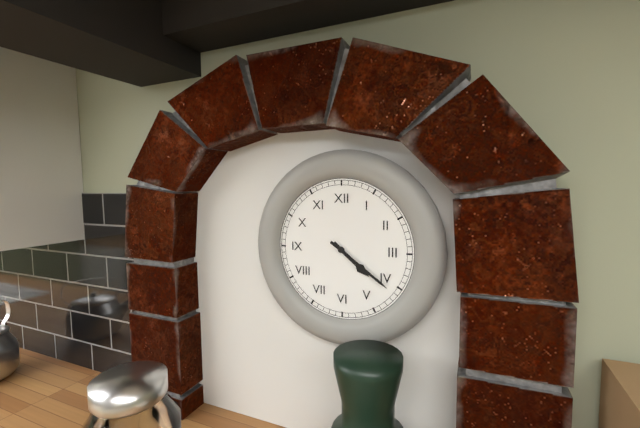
4:21
